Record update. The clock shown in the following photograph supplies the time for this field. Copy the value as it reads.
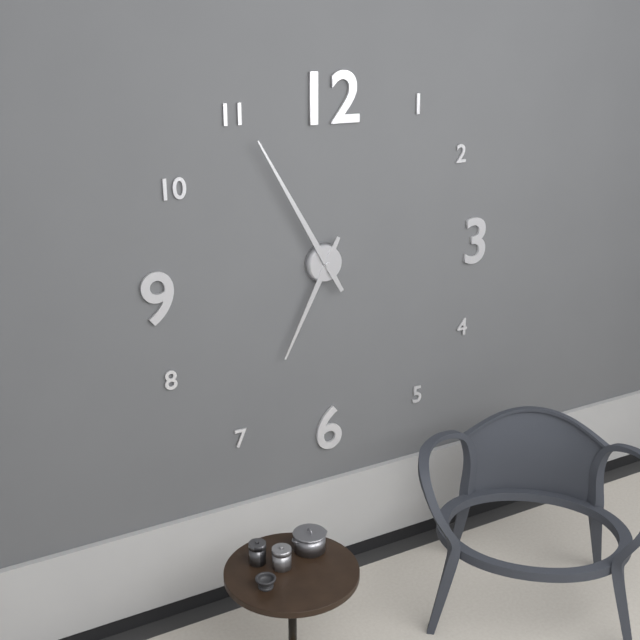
6:55
